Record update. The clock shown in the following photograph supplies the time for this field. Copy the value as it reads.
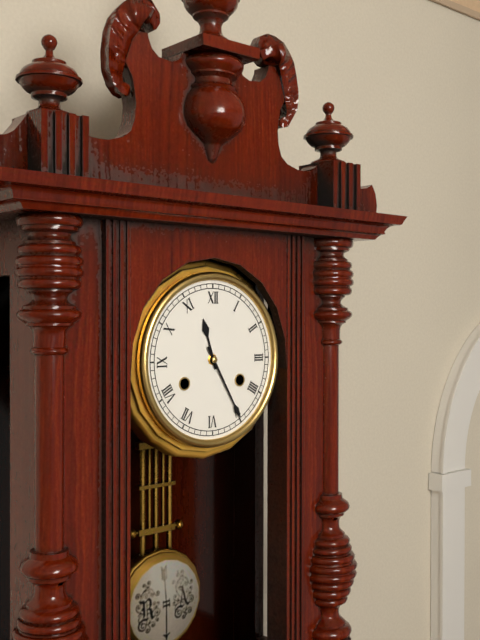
11:25
